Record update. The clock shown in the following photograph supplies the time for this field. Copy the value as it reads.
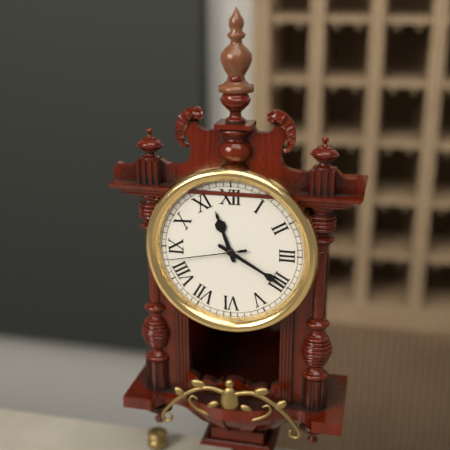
11:20:43
